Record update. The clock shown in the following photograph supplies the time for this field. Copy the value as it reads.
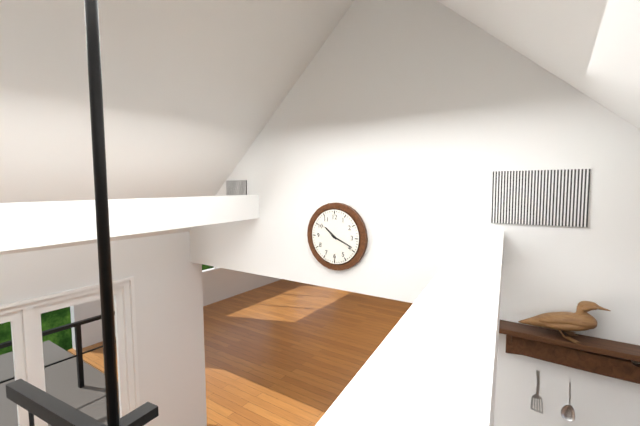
10:19
